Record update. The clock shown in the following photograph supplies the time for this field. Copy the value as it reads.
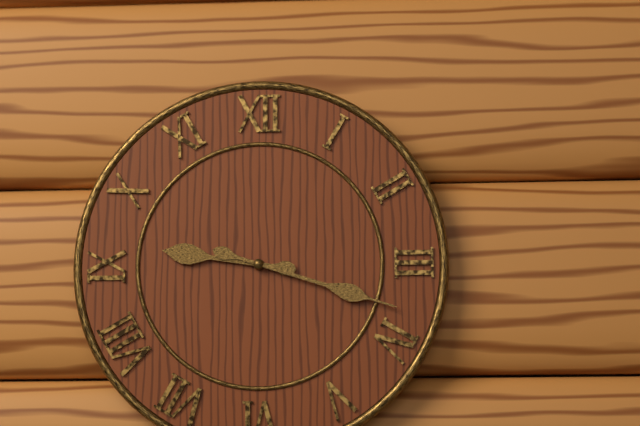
9:18
